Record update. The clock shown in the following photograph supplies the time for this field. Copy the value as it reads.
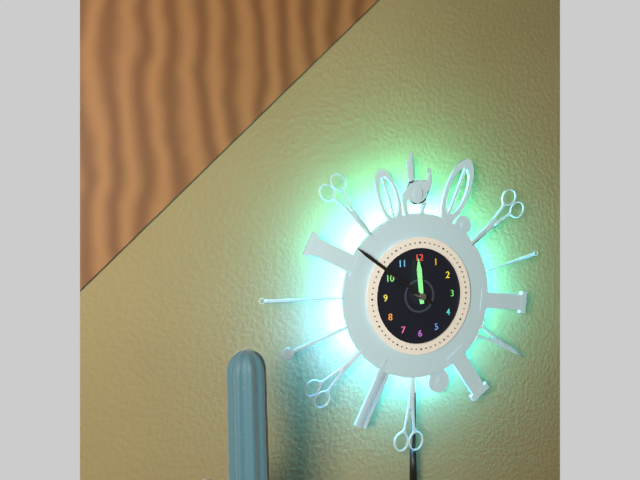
11:51
